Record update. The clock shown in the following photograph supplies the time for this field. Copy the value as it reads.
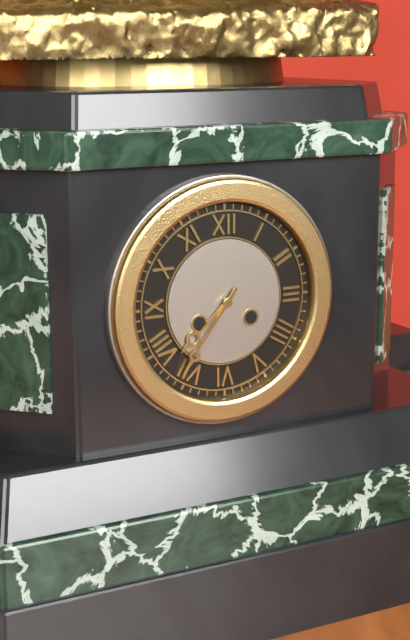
7:36
